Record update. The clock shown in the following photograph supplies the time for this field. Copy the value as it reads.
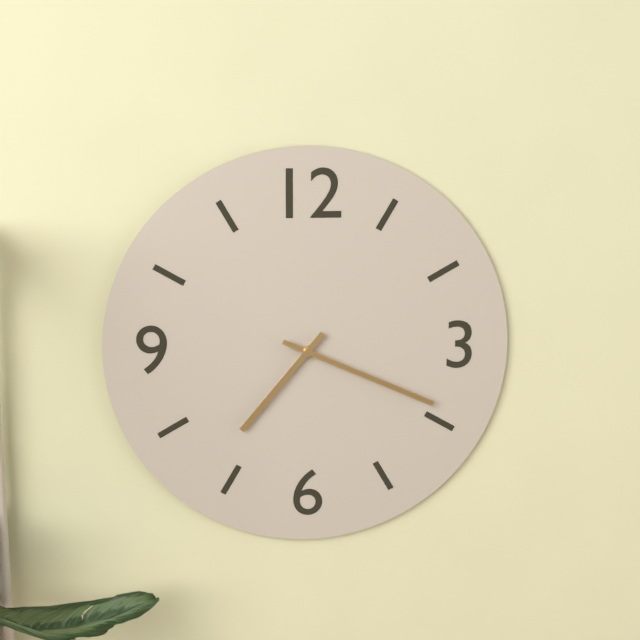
7:19
